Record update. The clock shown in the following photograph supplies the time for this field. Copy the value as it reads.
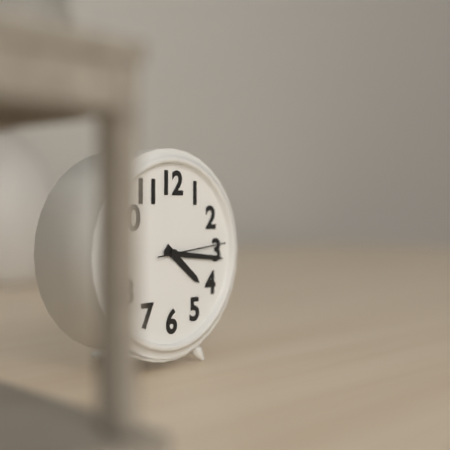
4:16:14
